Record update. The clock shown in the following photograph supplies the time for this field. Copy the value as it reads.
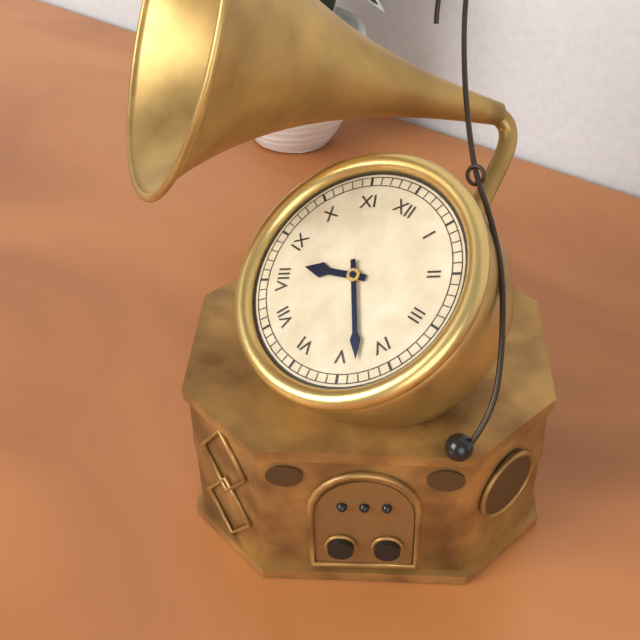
8:23
